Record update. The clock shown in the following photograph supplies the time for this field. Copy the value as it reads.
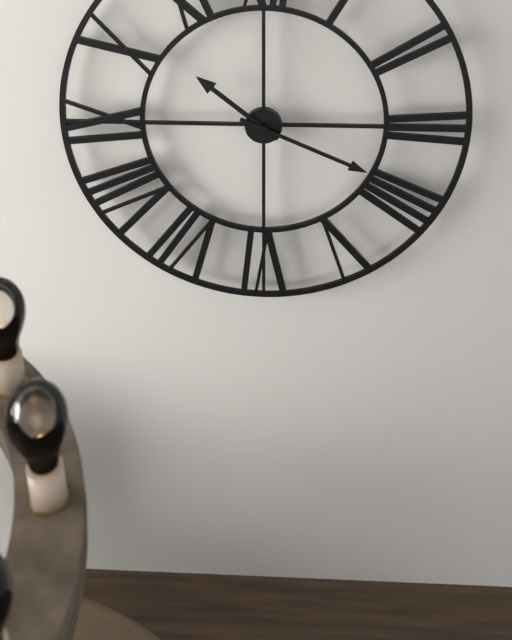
10:19
